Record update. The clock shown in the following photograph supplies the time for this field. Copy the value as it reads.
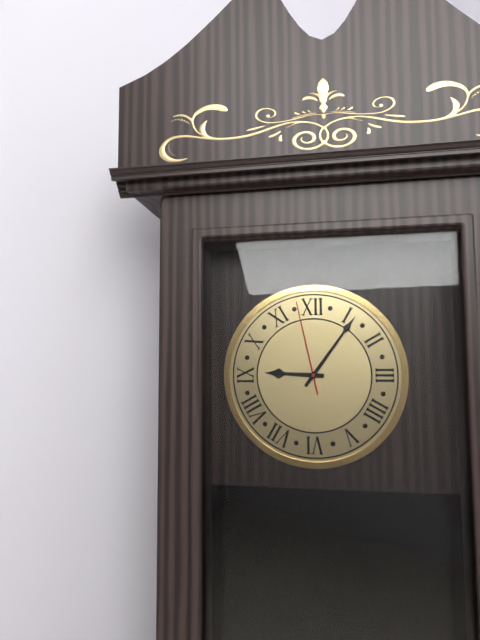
9:06:58
